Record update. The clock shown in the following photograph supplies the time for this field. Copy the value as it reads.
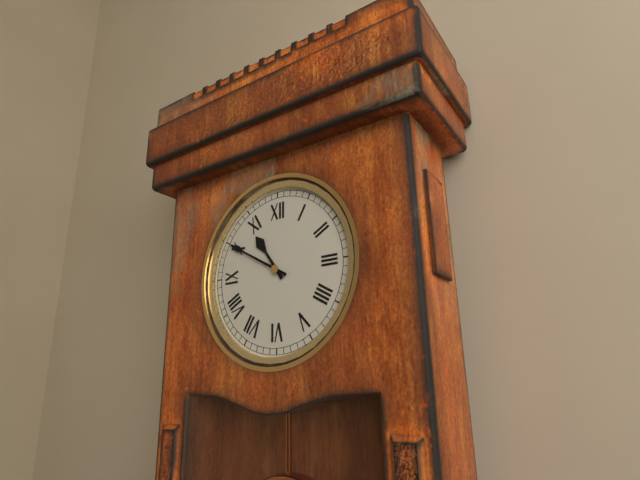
10:50
